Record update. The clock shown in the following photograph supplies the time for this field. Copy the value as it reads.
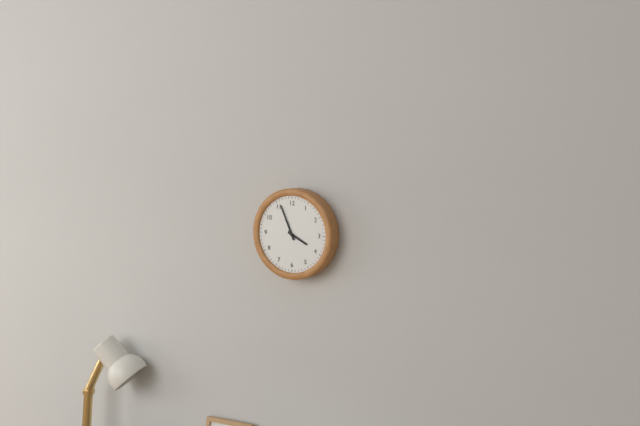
3:56
